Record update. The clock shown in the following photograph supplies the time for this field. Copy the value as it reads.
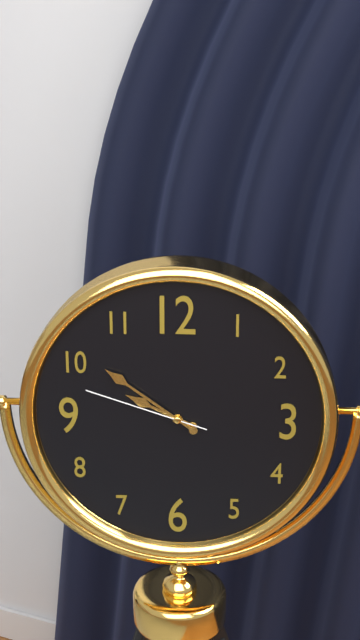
9:51:48
